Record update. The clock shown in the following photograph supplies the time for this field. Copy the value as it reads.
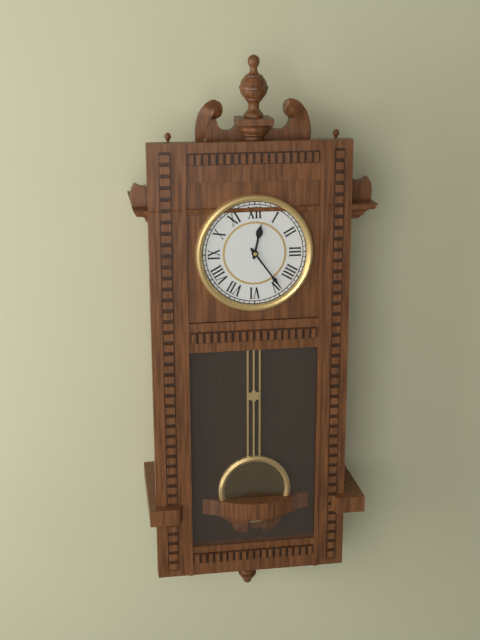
12:24
